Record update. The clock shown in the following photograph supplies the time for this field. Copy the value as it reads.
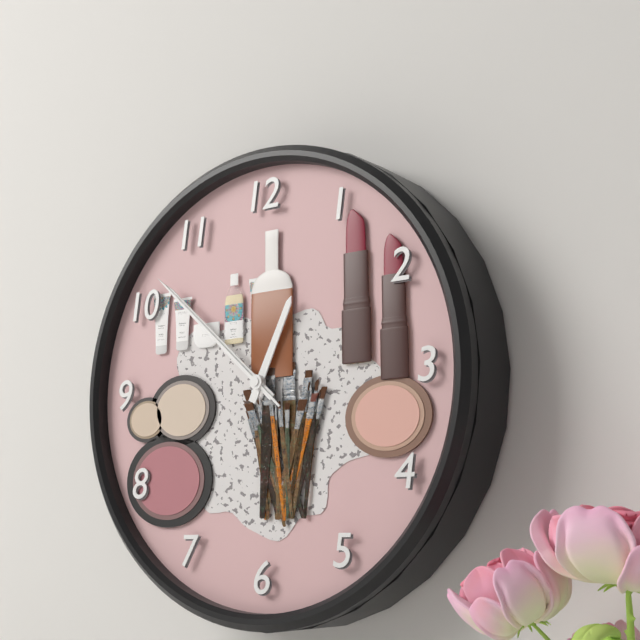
12:52:52
